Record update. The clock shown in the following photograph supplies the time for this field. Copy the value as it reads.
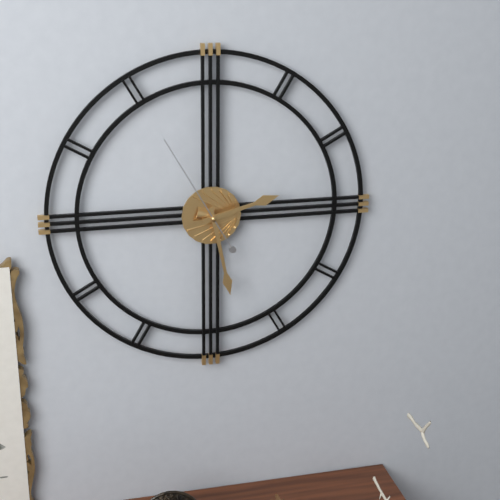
2:28:55
